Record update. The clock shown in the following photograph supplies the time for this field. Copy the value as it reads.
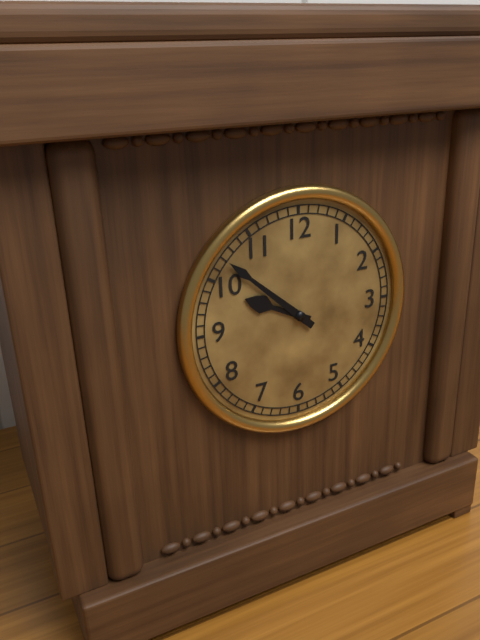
9:52
